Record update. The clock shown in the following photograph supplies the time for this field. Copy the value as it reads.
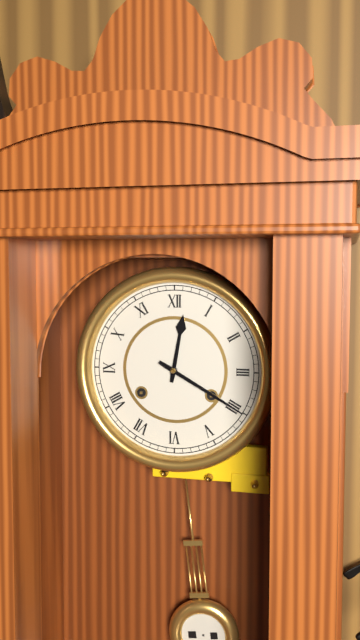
12:20
